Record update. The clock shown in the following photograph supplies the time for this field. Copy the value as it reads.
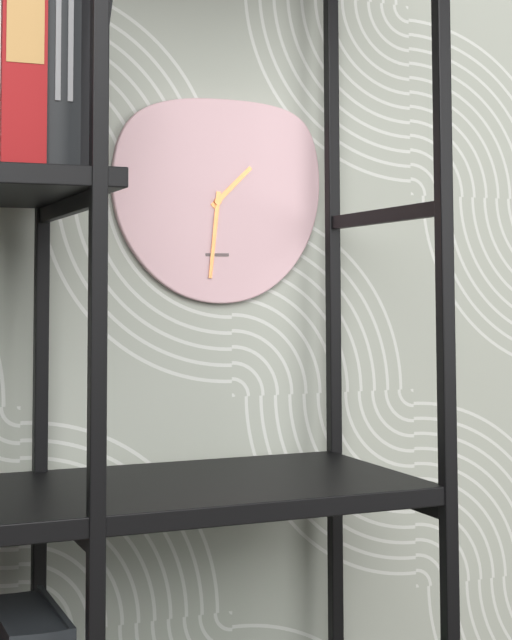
1:31
